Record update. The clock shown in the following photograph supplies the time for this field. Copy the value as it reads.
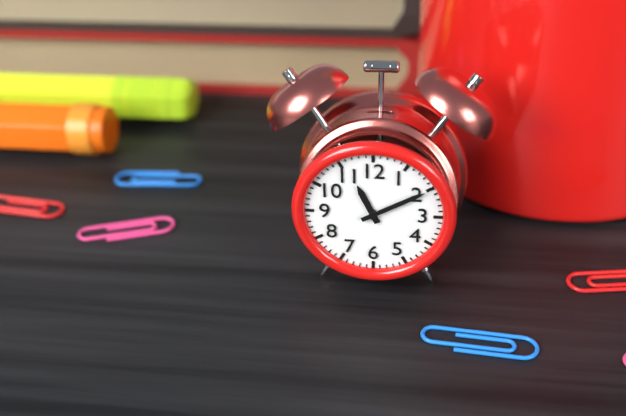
11:10
